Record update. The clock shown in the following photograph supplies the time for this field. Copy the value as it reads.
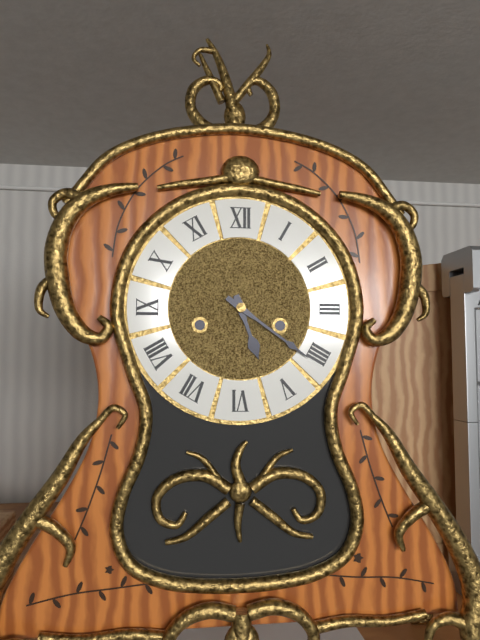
5:21
